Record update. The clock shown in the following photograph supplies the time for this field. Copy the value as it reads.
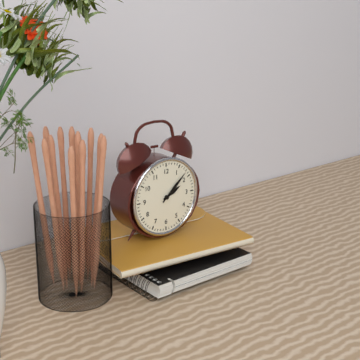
2:08
